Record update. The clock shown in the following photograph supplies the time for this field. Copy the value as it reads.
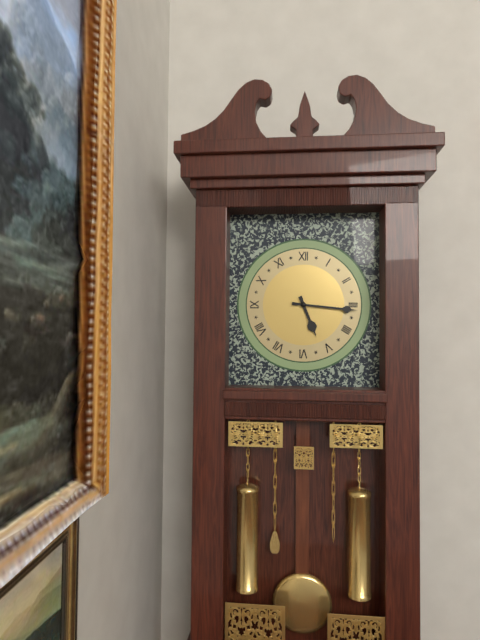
5:16
